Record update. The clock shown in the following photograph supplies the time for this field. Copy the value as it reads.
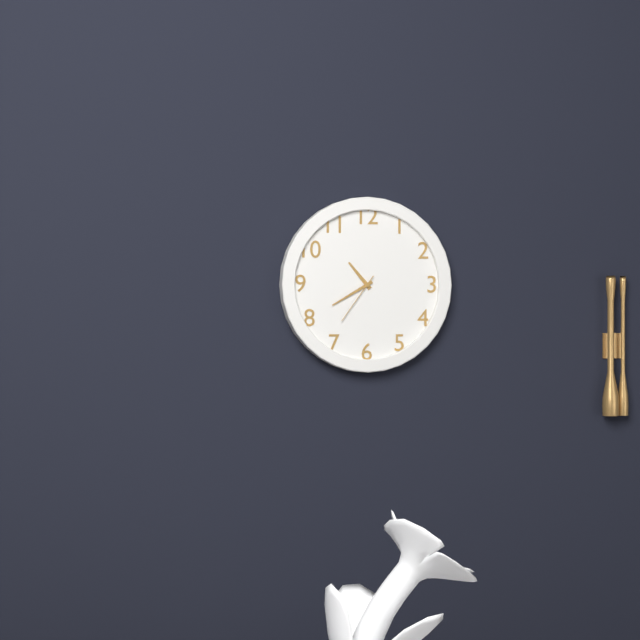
10:40:36
